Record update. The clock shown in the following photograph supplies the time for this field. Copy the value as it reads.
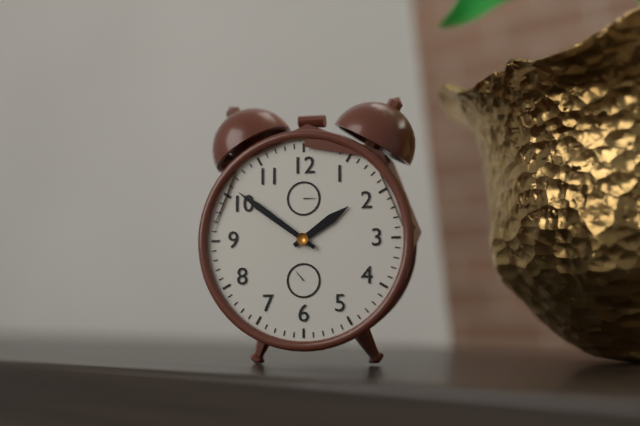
1:51
